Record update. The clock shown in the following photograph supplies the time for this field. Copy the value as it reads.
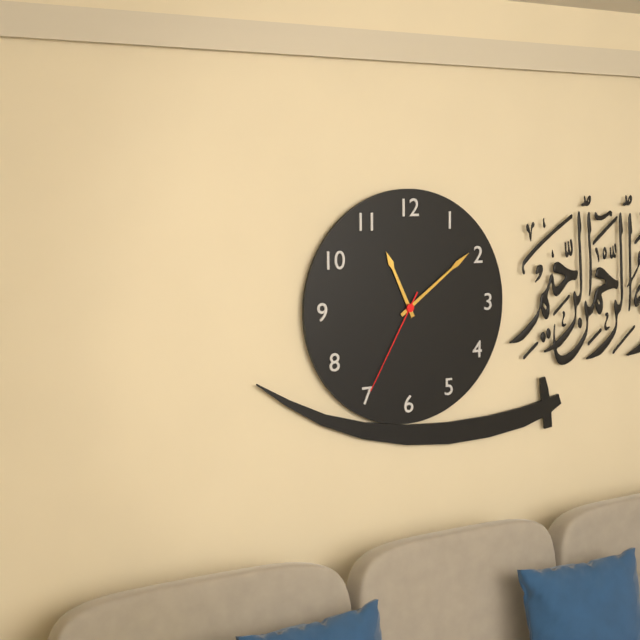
11:09:35
